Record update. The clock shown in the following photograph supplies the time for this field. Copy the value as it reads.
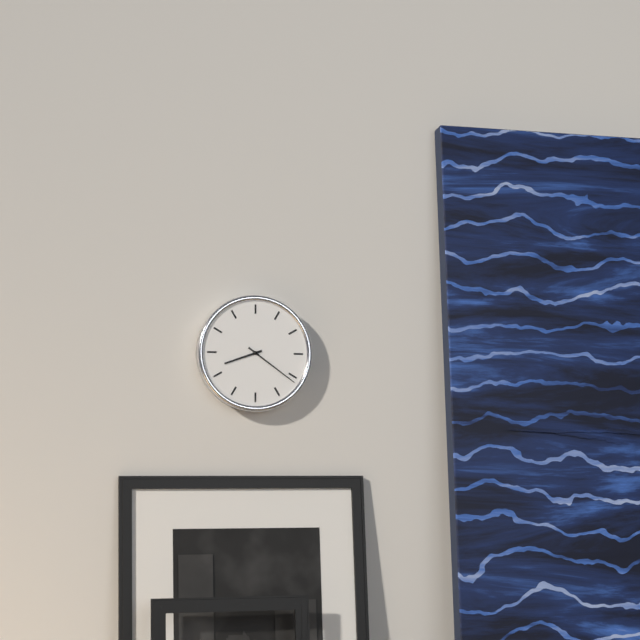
8:21
